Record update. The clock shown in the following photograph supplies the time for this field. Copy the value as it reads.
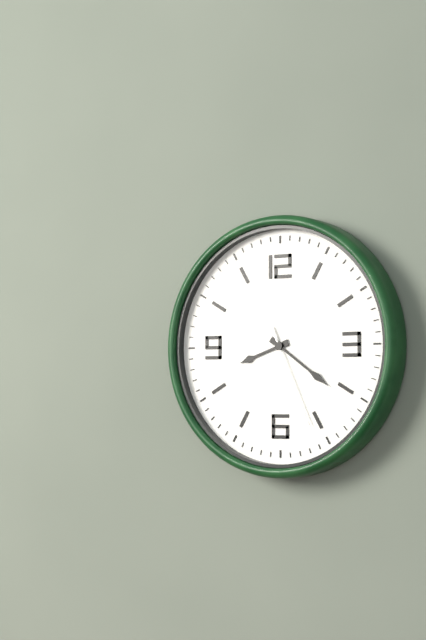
8:21:26
